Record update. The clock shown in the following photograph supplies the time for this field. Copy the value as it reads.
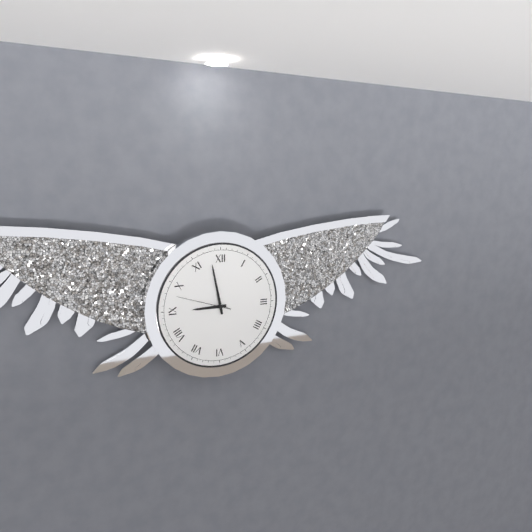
8:58
